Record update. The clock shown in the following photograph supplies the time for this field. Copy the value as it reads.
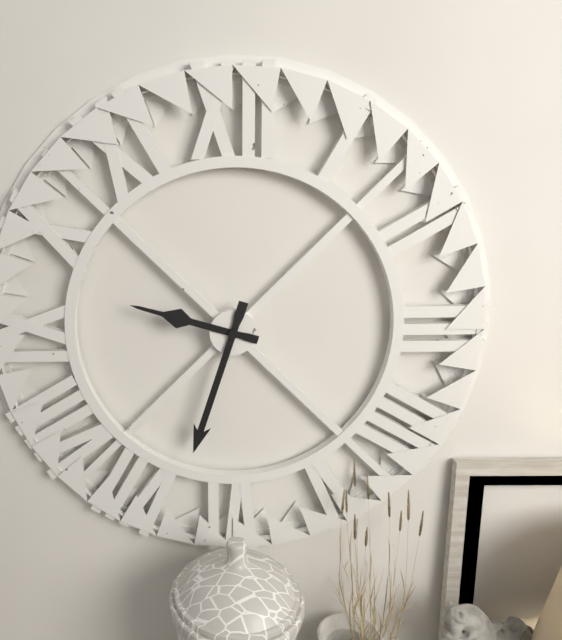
9:33
